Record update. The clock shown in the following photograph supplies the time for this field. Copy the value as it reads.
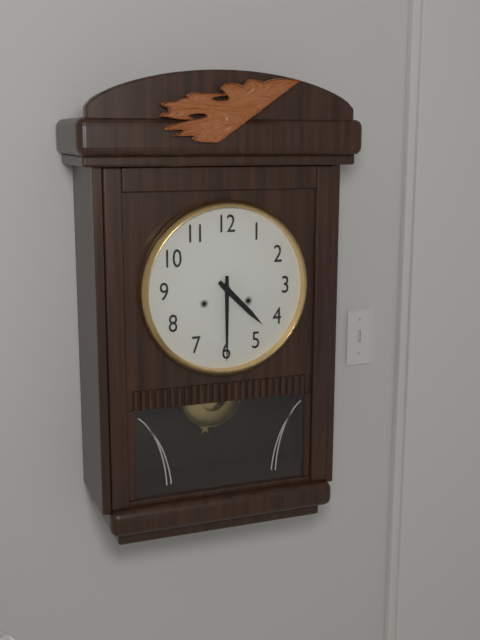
4:30
